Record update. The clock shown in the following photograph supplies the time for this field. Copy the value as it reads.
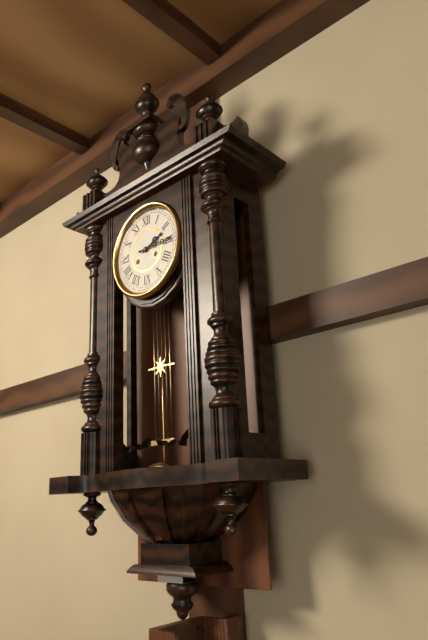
2:15
